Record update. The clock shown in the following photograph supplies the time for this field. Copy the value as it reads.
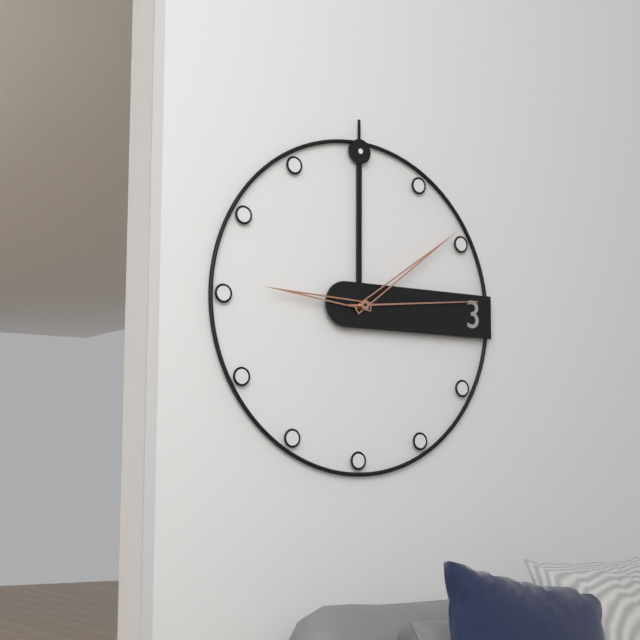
9:09:14
